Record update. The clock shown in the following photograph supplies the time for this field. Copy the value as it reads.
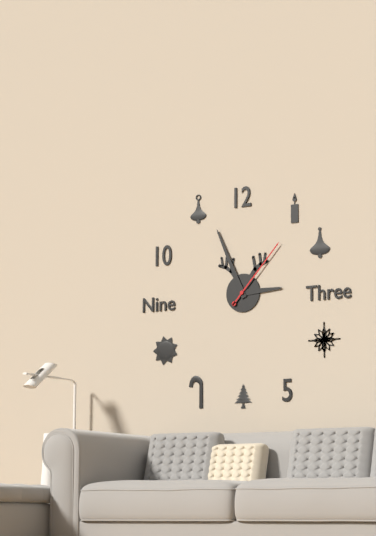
2:56:07
